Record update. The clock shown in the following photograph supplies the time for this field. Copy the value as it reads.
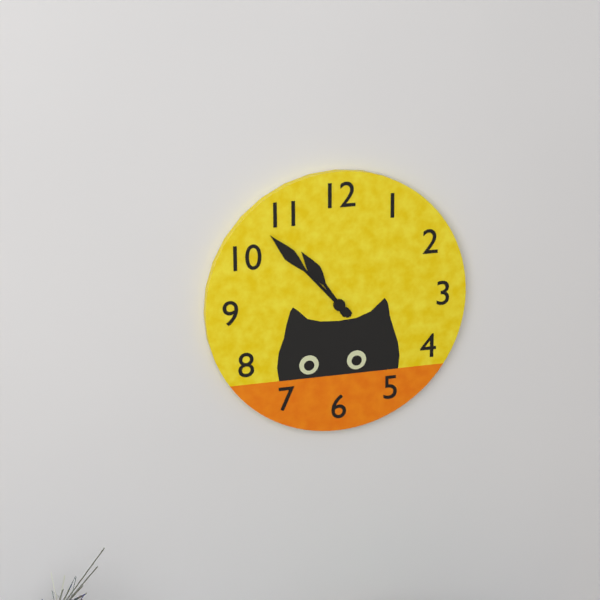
10:53
